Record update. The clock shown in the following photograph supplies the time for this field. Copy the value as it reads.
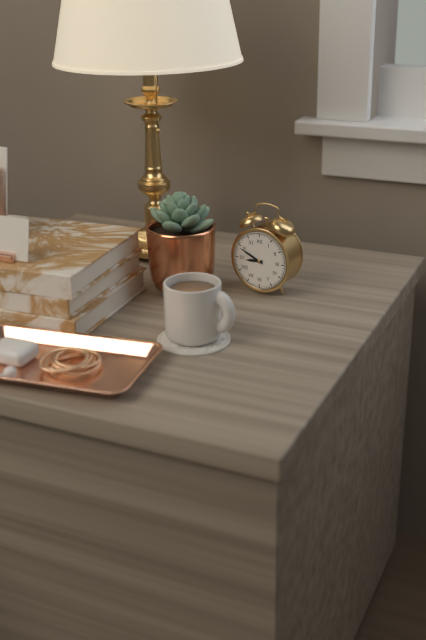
8:49
